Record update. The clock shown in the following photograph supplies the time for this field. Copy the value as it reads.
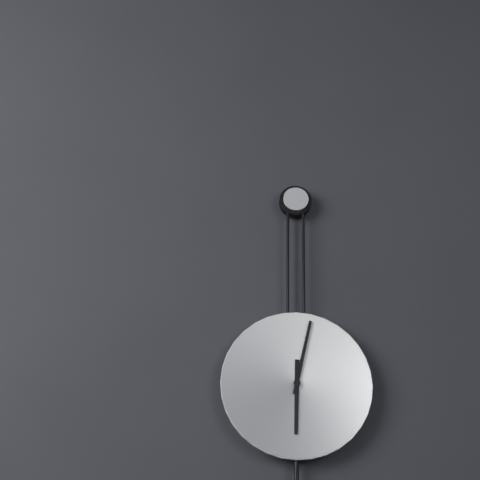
6:02
